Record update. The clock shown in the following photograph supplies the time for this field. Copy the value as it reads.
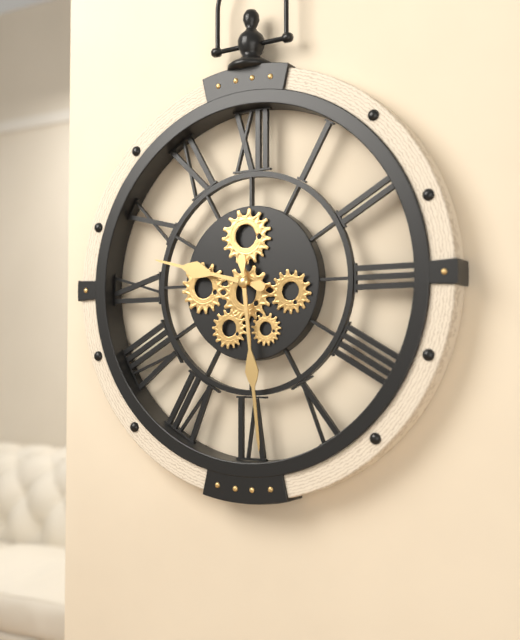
9:29
